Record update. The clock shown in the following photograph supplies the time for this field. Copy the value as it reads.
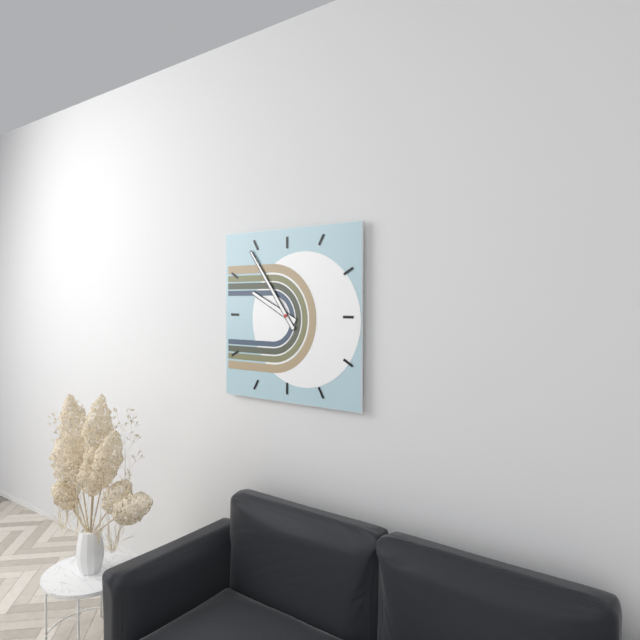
9:54
